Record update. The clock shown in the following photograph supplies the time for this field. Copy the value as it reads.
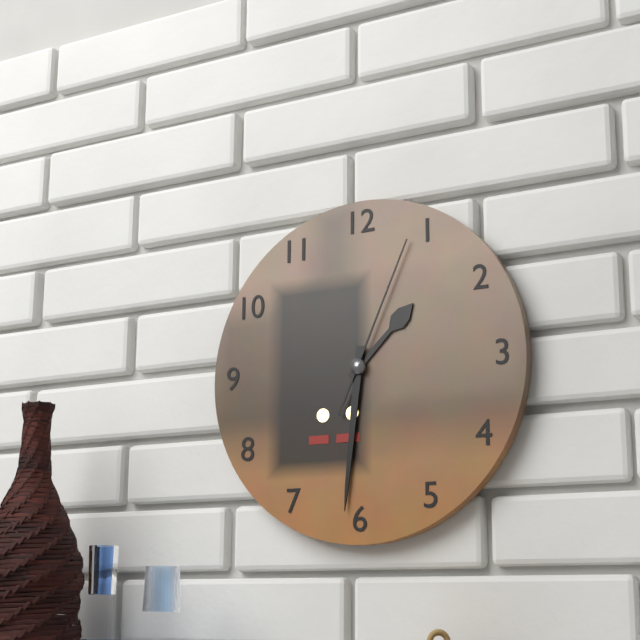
1:31:04
